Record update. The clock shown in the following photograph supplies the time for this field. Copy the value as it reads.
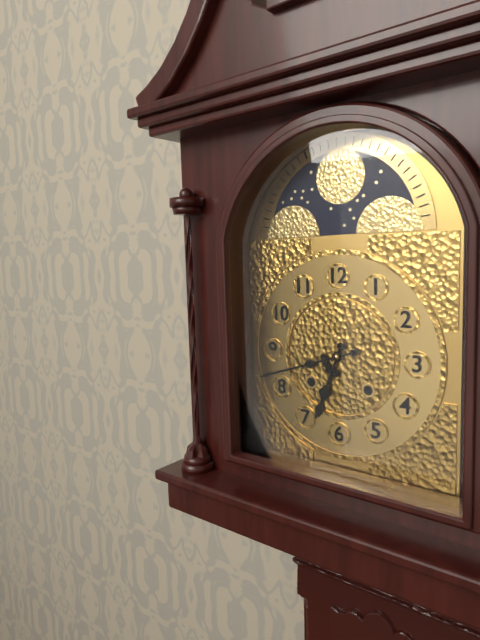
6:42
